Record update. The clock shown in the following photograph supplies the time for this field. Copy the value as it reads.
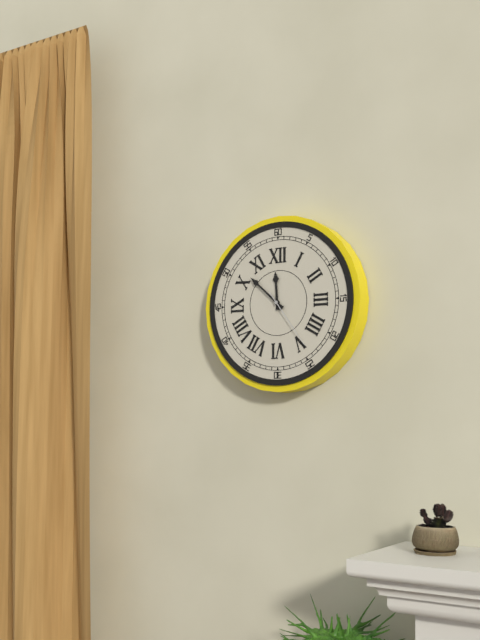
11:52:24
